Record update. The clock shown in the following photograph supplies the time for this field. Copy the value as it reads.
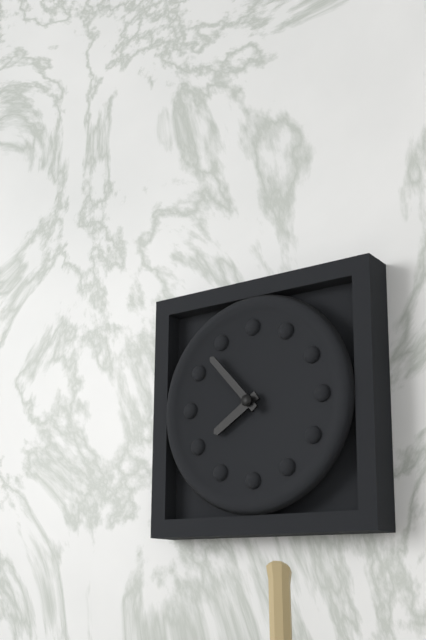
7:53
